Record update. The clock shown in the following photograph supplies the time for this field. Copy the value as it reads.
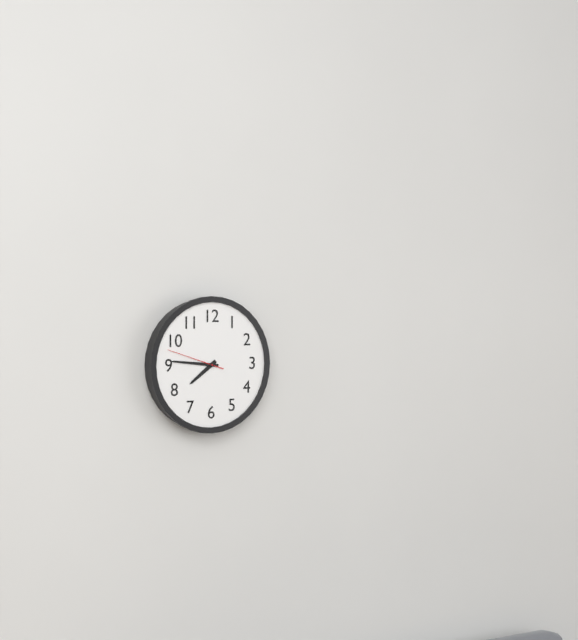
7:46:48
